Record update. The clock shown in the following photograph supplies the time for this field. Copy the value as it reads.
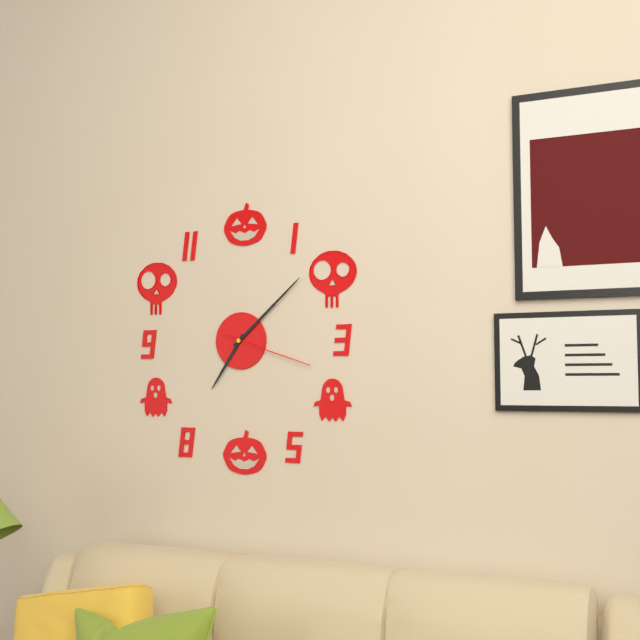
7:08:18
